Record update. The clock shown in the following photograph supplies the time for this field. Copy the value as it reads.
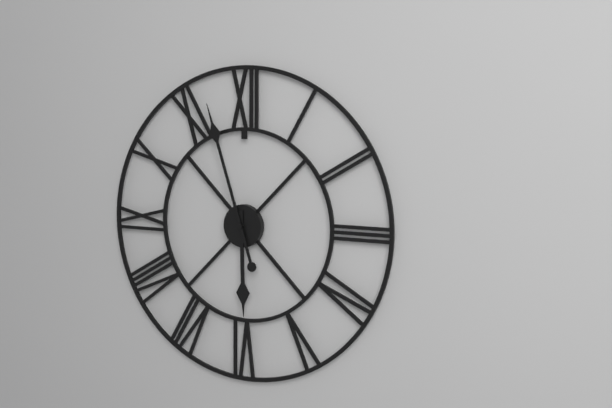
5:57
